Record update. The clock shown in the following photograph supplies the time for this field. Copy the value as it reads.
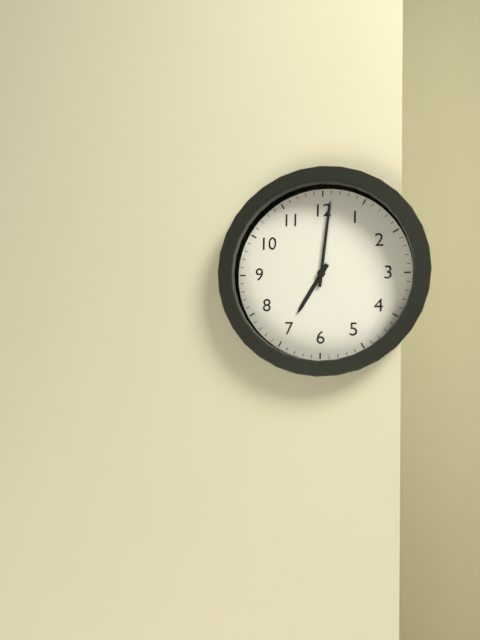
7:01
